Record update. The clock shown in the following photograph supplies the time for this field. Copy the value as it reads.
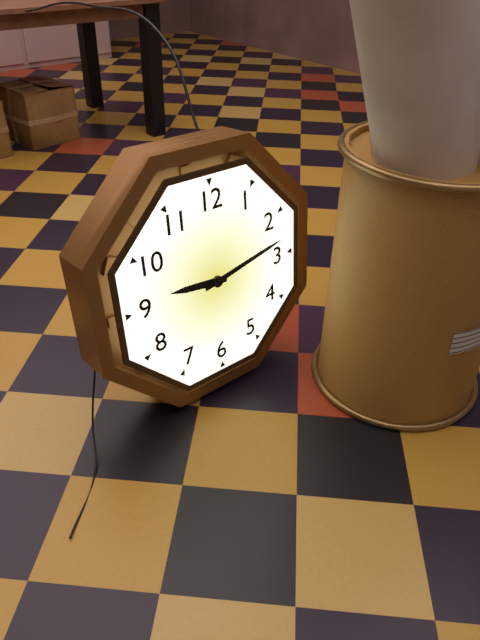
9:13
